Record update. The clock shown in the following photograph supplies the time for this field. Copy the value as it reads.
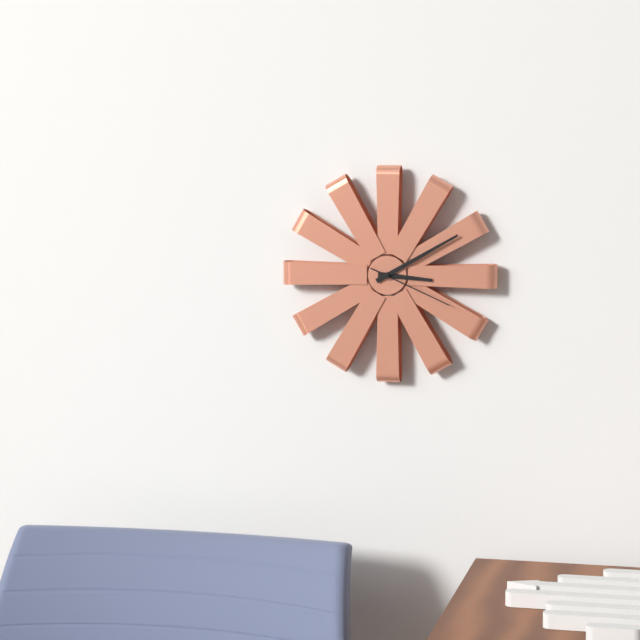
3:10:19
